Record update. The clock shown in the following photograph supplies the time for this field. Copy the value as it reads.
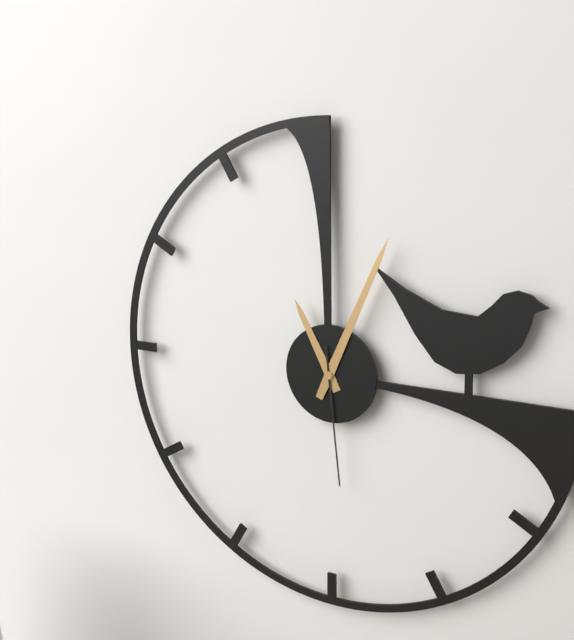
11:04:29
